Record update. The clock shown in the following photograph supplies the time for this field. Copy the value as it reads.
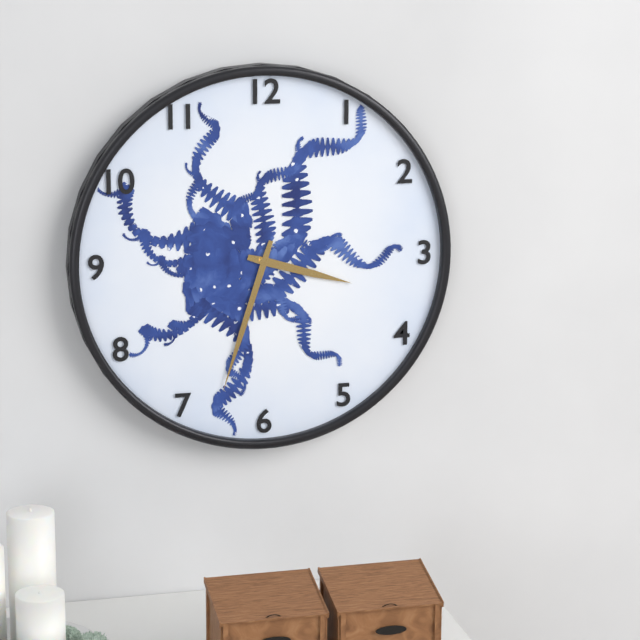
3:33
